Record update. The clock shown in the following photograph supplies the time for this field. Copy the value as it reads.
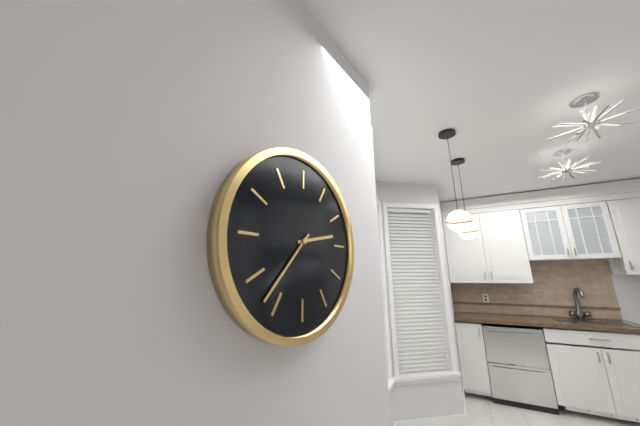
2:37
